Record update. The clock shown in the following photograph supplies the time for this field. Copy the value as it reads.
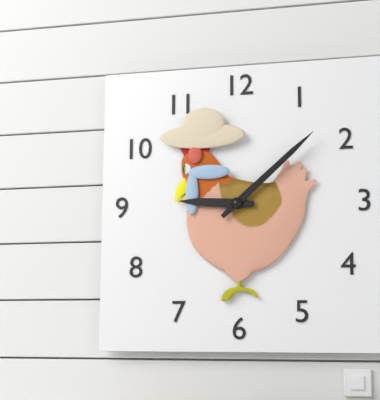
9:08
